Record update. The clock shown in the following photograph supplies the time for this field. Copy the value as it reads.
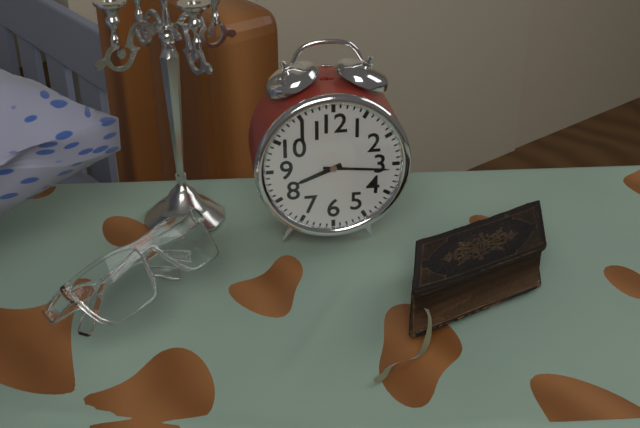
8:16
